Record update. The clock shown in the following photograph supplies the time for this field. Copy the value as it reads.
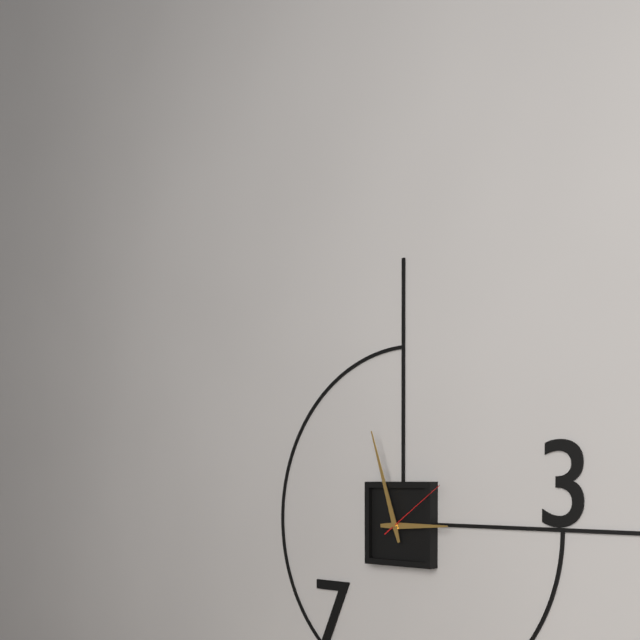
2:57:09
